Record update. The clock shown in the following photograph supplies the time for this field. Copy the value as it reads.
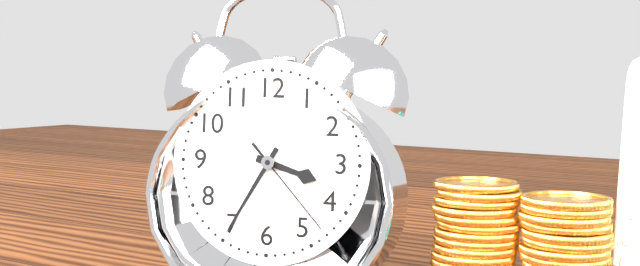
3:35:23
